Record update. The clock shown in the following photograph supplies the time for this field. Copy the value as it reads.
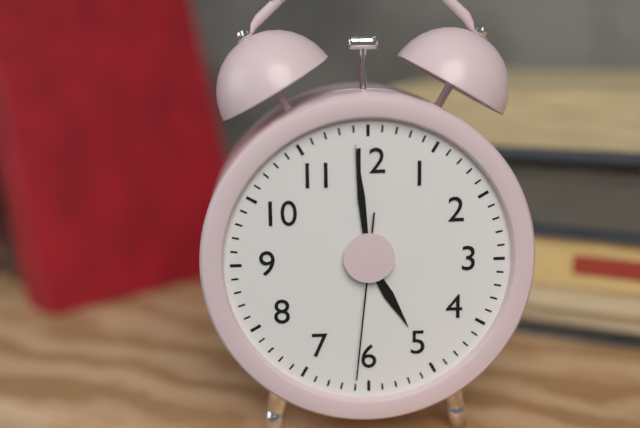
4:59:31
